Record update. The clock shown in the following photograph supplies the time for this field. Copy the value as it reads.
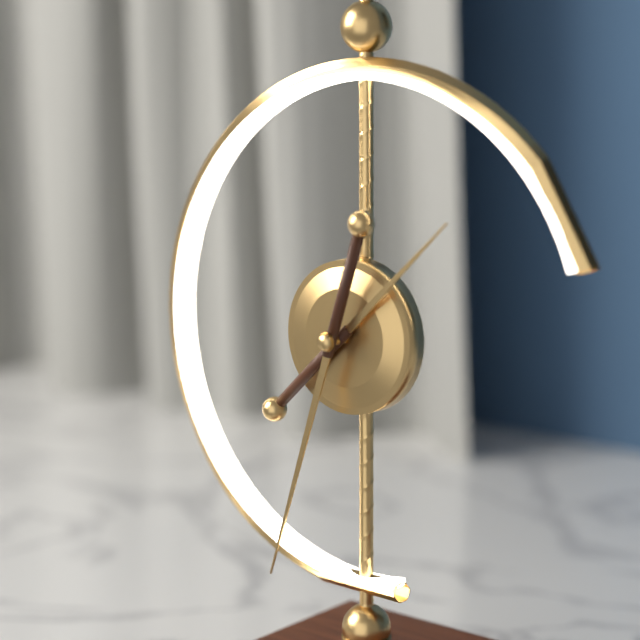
1:33
